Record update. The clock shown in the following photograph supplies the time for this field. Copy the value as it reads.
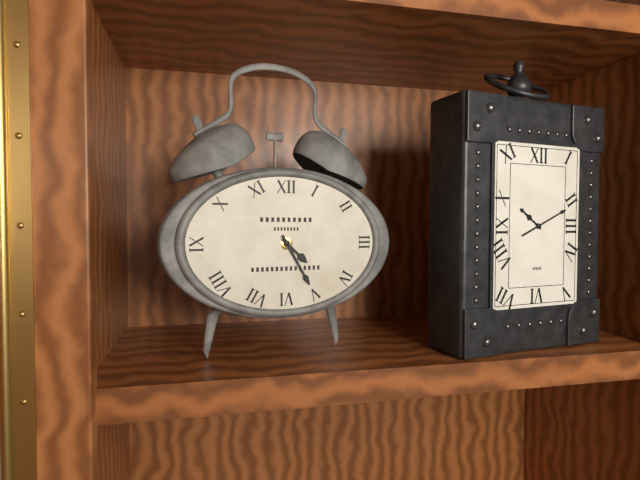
4:25
